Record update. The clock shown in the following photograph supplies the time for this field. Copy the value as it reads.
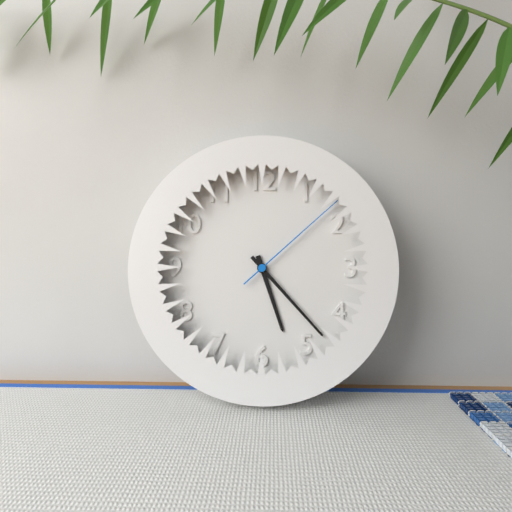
5:23:08
